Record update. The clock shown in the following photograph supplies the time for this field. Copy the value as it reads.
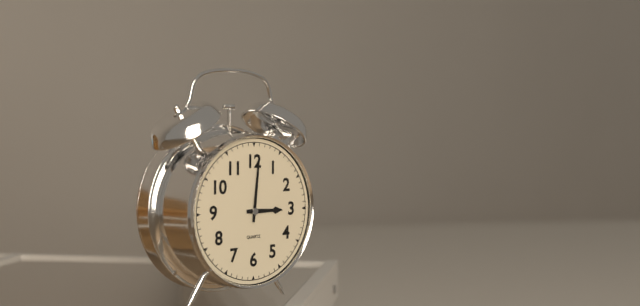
3:01
